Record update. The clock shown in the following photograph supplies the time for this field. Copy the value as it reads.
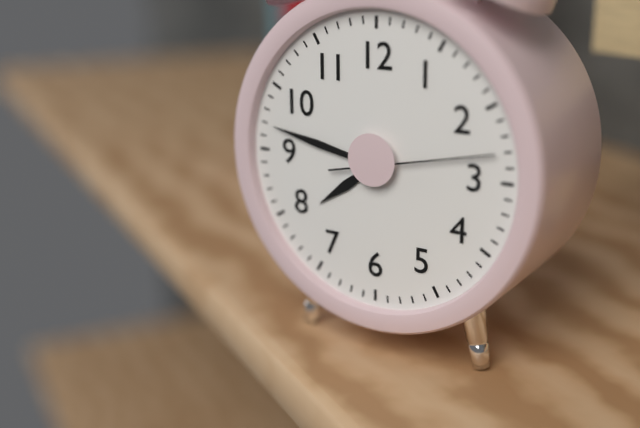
7:47:13
